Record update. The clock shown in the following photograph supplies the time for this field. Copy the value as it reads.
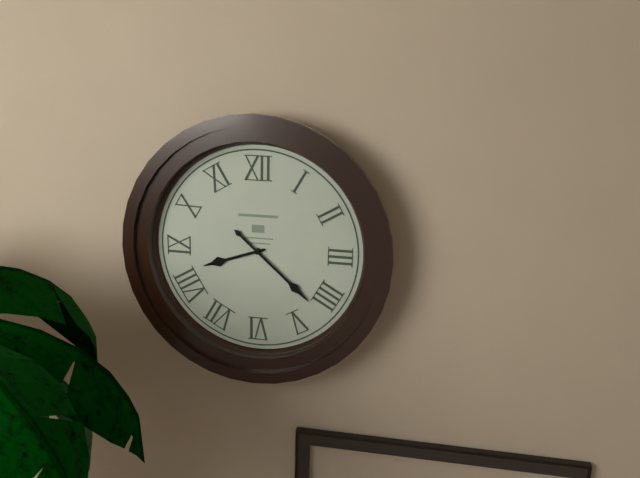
8:22
